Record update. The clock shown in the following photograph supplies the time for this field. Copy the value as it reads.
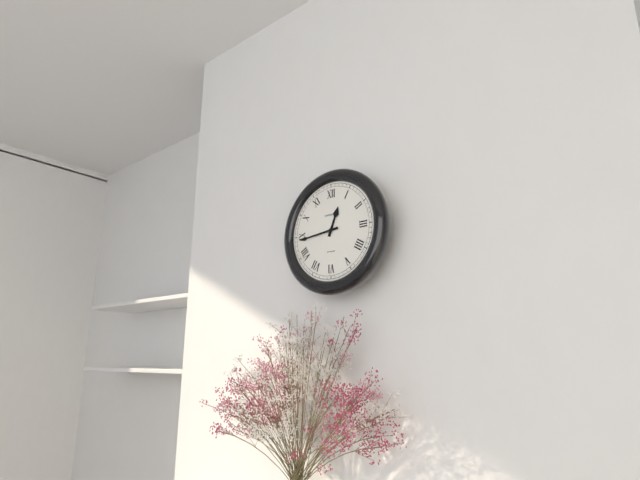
12:44
